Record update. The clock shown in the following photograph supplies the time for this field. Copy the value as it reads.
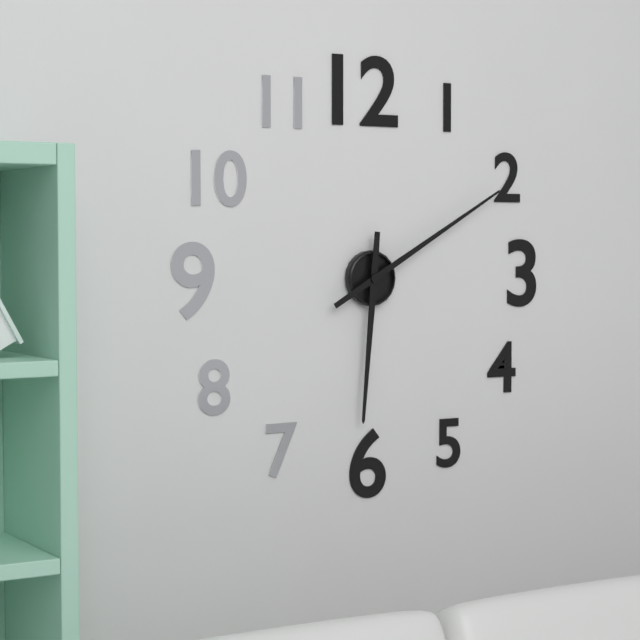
6:10
